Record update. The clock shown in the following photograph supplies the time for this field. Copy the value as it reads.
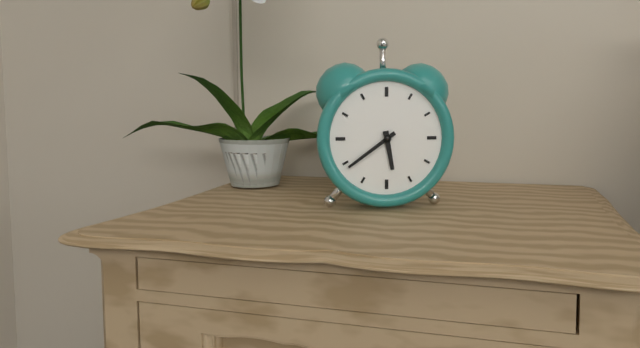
5:39
